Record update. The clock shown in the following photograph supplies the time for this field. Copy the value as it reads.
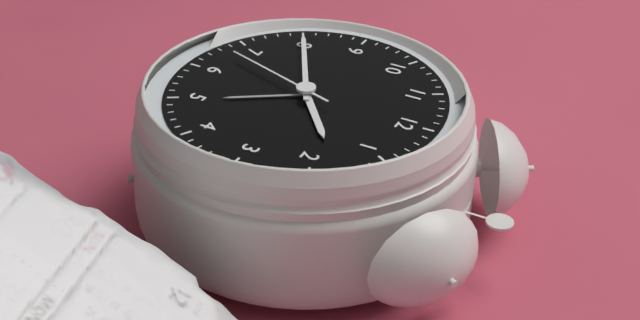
1:40:33
